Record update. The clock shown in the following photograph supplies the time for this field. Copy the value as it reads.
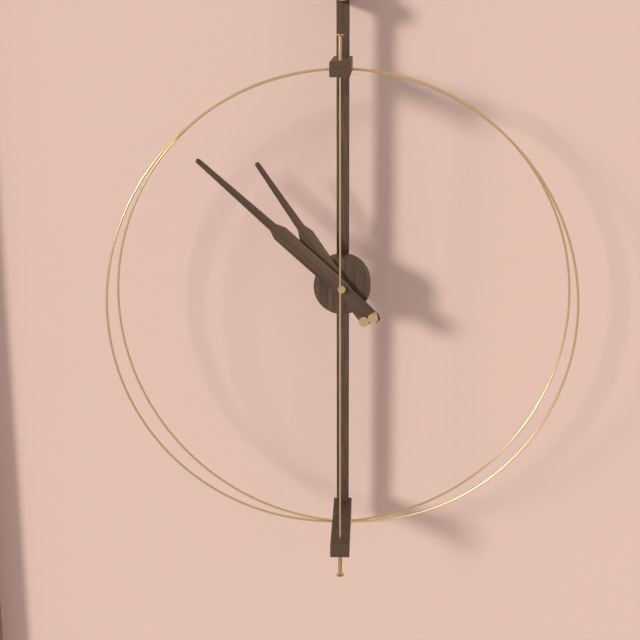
10:52
